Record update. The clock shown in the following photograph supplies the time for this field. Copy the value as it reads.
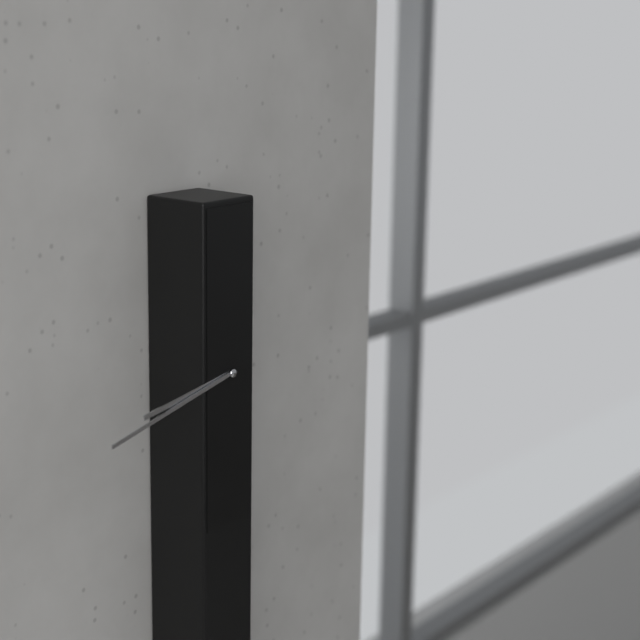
8:43
